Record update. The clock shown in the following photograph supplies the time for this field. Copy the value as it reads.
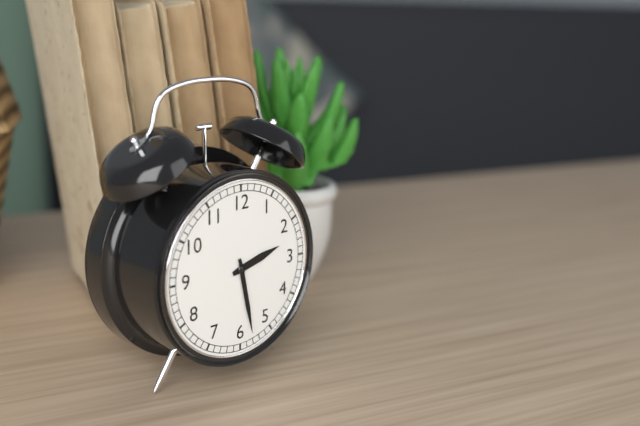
2:28
